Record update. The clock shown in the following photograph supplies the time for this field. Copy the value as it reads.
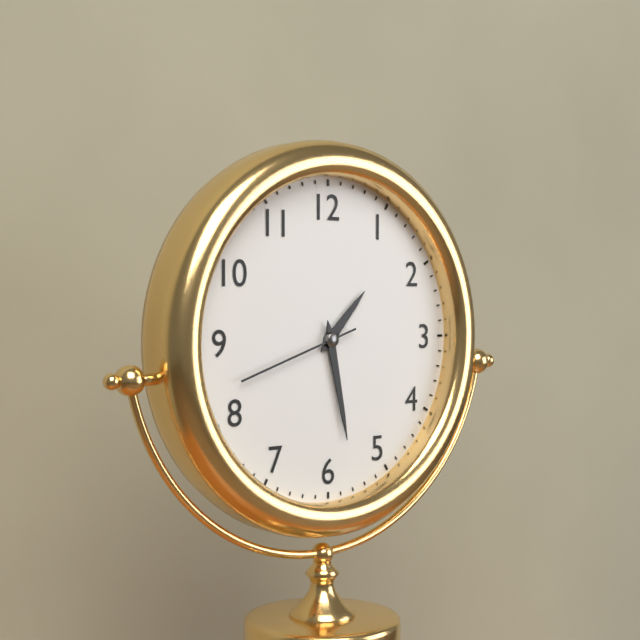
1:28:42
